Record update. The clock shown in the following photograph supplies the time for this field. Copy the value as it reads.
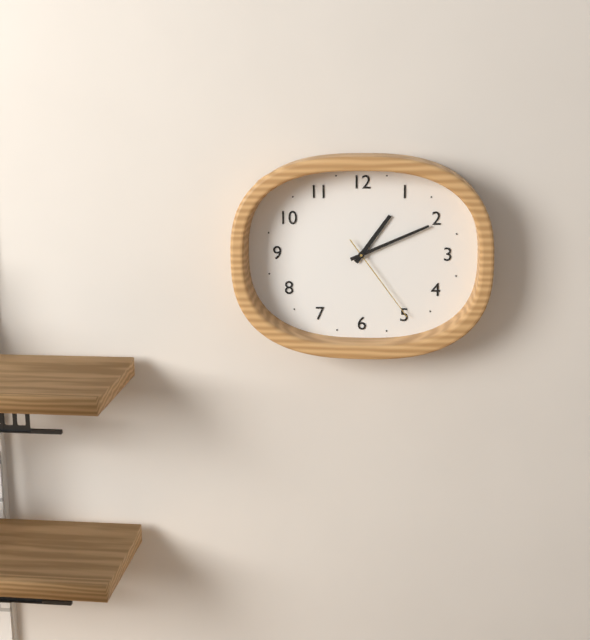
1:11:24
